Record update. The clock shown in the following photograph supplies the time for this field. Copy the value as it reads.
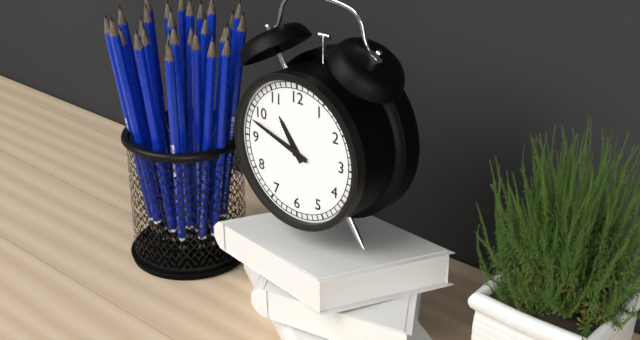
10:48
